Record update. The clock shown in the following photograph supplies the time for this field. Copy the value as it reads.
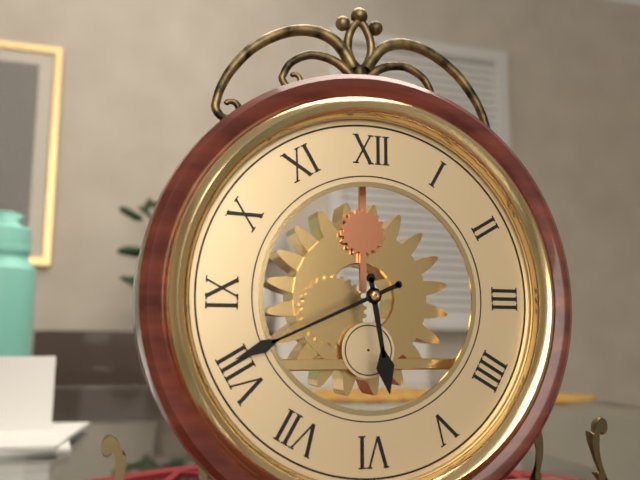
5:41
